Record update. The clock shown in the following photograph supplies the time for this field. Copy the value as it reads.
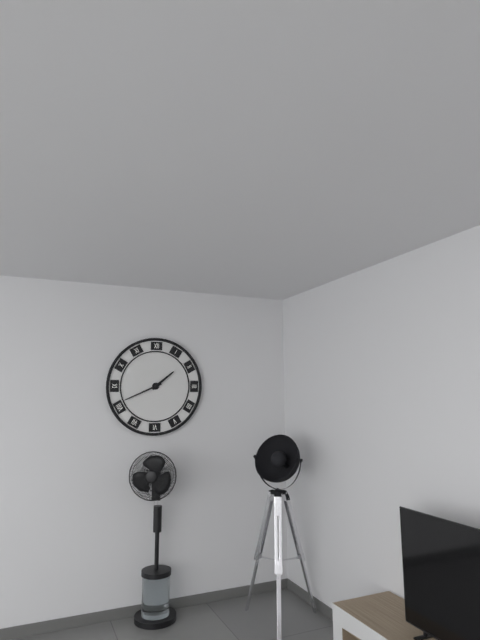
1:41
